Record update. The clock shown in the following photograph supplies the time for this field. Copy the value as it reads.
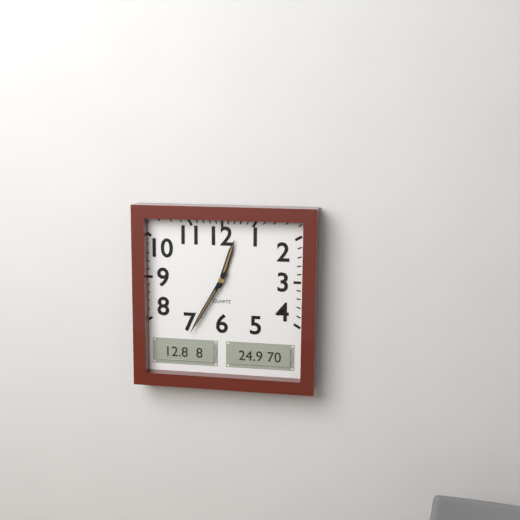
12:35
